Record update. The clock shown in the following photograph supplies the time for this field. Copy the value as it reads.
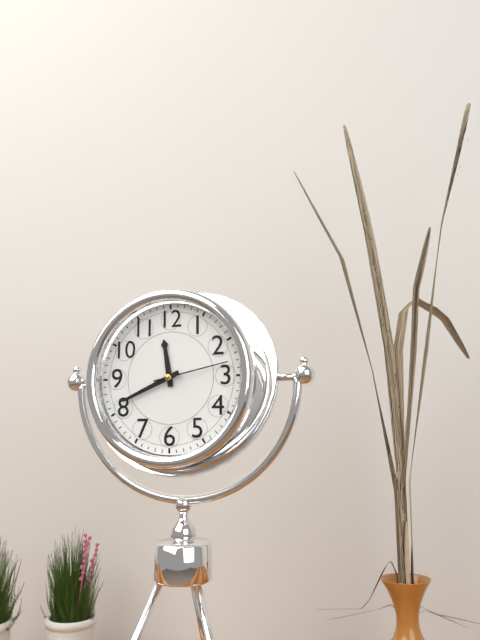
11:41:13
